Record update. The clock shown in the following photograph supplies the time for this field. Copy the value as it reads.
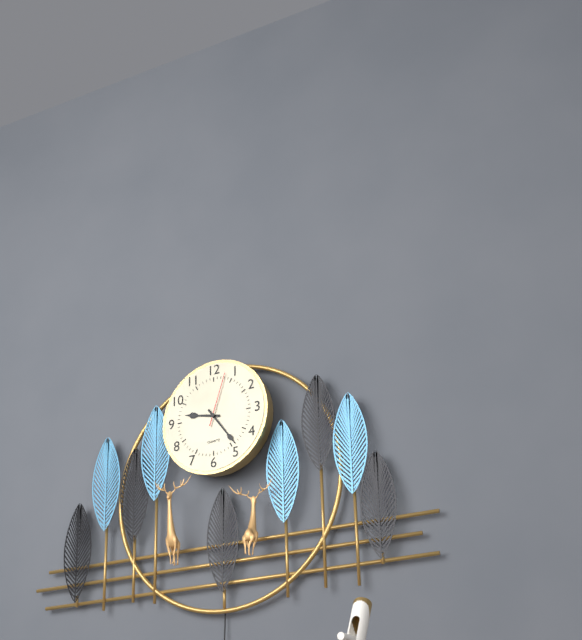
9:24:03
